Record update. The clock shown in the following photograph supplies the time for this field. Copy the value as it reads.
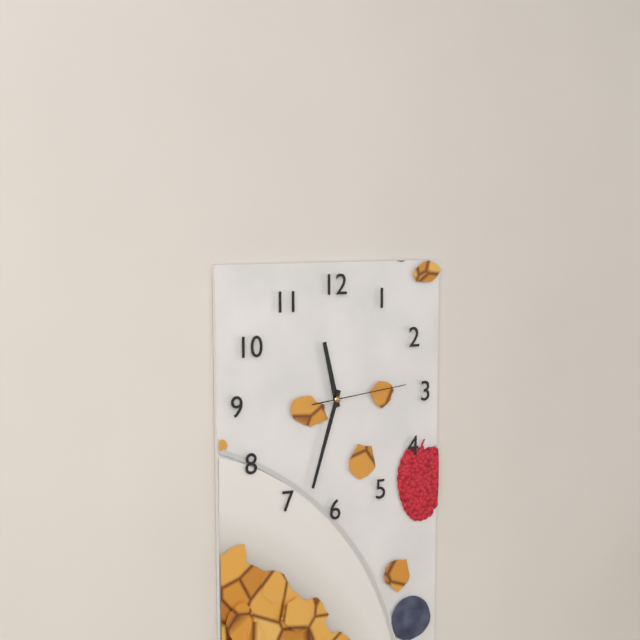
11:33:14
